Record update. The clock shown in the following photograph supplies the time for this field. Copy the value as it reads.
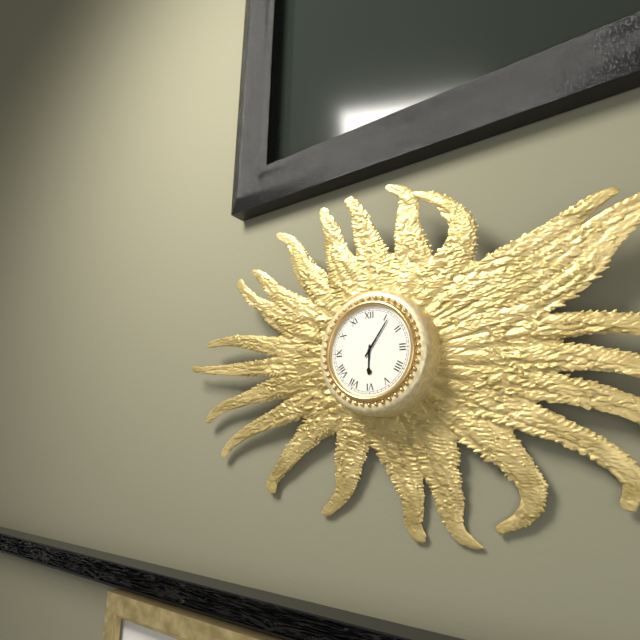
6:06
